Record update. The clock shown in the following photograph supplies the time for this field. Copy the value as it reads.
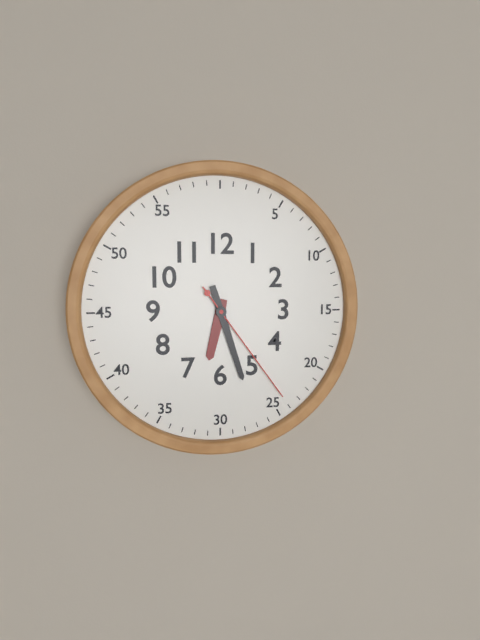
6:27:24
